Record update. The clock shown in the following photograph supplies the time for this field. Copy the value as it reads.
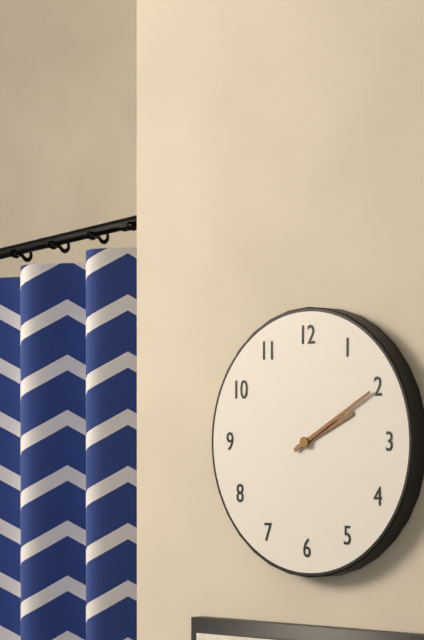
2:10
